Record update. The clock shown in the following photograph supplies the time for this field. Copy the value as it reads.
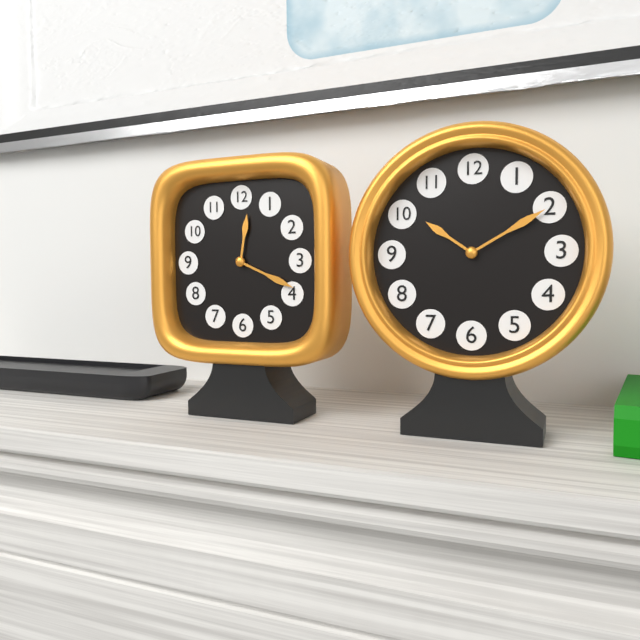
12:19
